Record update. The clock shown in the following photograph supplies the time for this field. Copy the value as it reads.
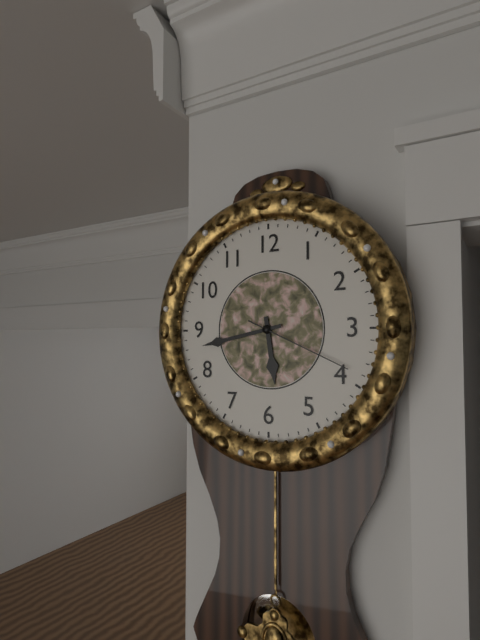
5:43:19
